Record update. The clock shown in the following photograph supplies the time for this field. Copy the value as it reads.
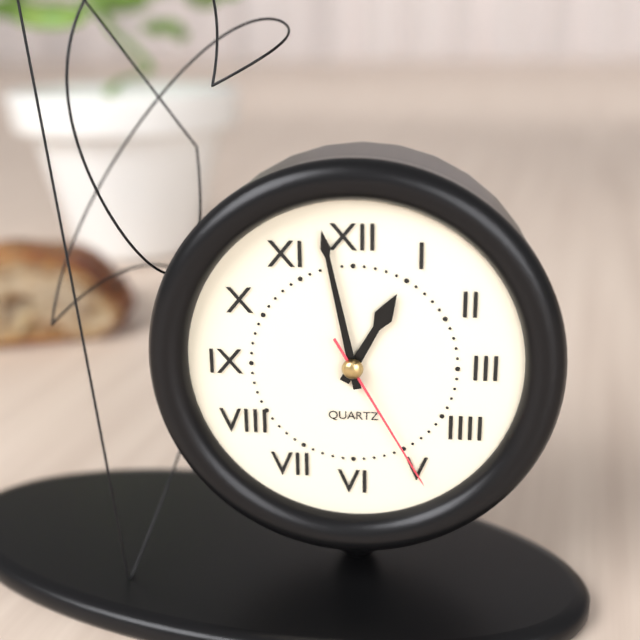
12:58:25
